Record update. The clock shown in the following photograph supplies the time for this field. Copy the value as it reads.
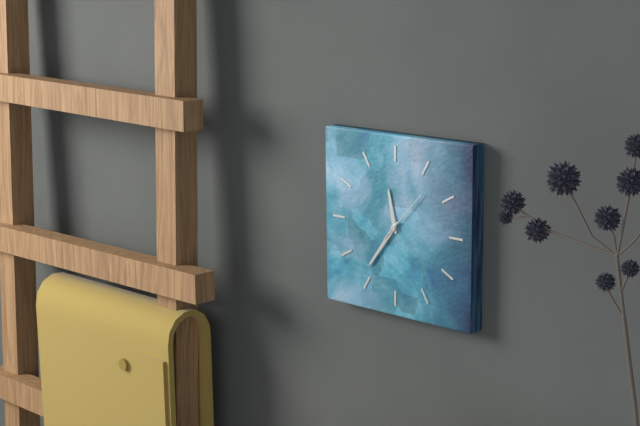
11:36:07
